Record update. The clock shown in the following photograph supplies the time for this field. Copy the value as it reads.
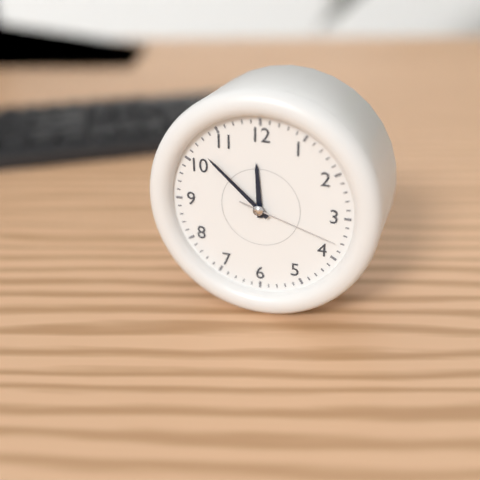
11:52:18
